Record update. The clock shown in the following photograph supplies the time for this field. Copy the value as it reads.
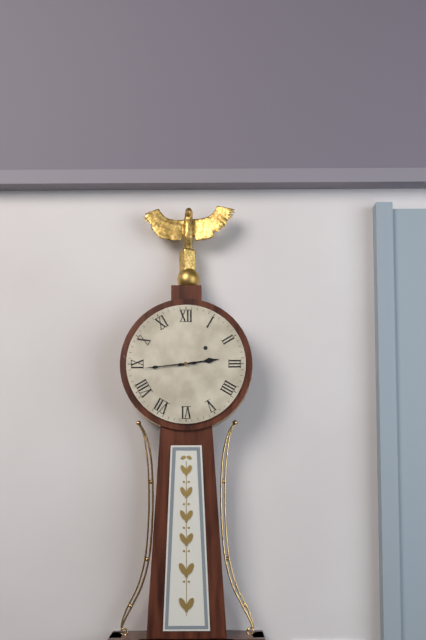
2:44
